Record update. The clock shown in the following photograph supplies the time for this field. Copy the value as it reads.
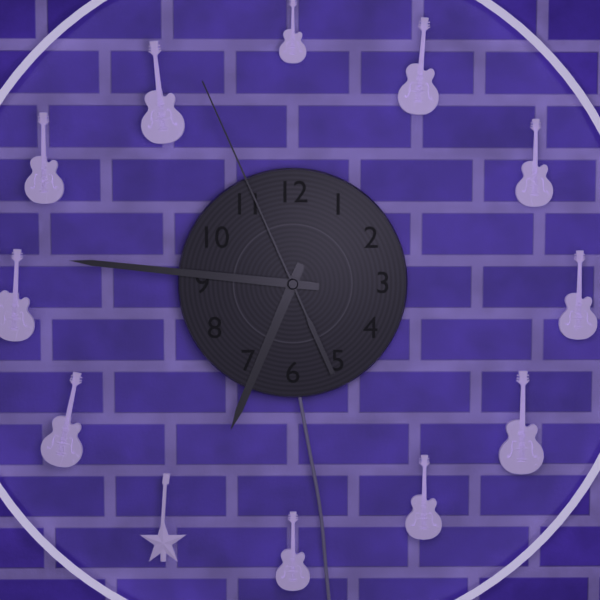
6:46:56
